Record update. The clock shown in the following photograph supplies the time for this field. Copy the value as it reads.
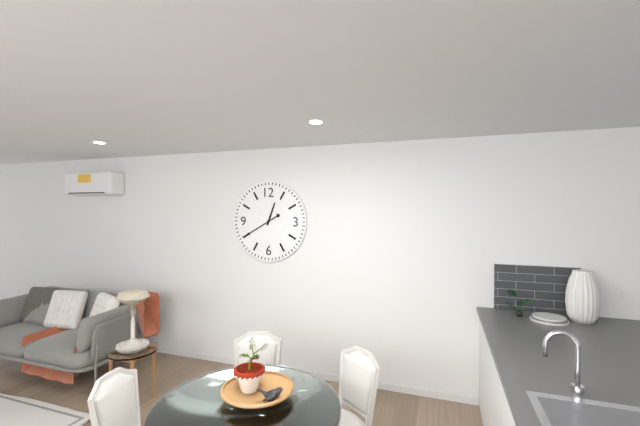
12:40
